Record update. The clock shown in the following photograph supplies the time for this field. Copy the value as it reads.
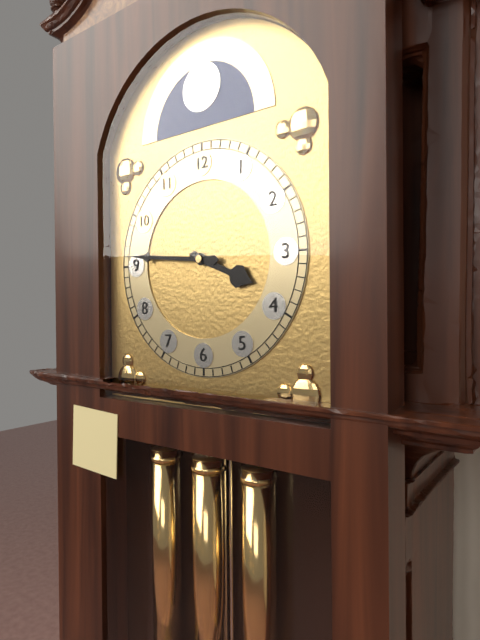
3:46
